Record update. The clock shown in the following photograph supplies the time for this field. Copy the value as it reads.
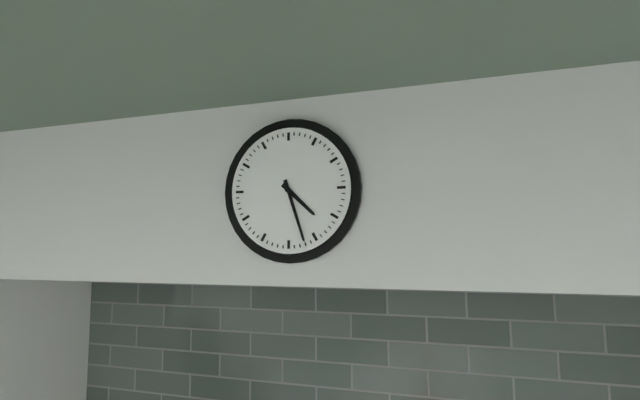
4:27
